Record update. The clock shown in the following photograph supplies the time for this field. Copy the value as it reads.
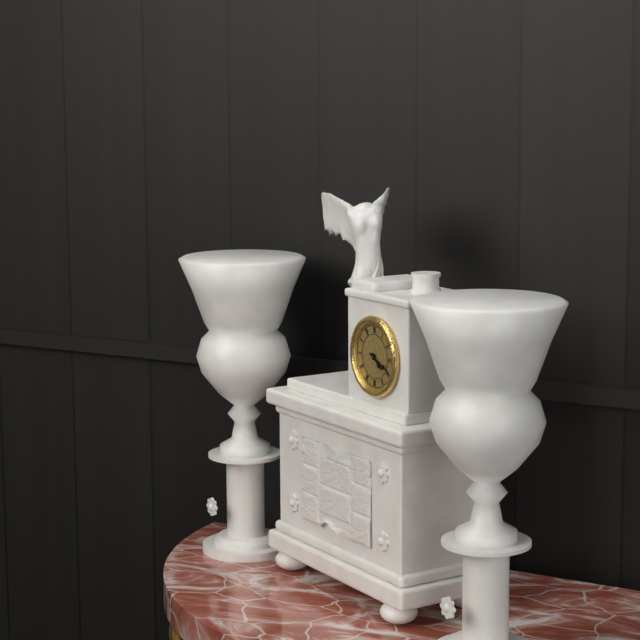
4:19
